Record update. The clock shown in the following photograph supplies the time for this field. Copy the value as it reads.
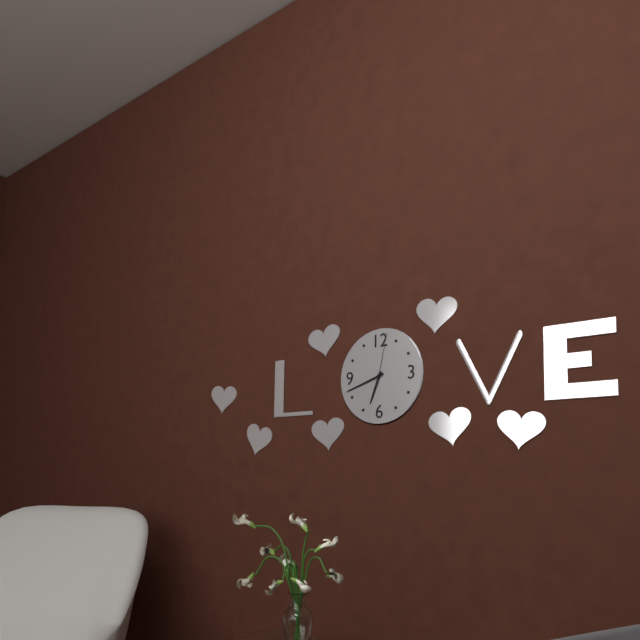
6:42:02
